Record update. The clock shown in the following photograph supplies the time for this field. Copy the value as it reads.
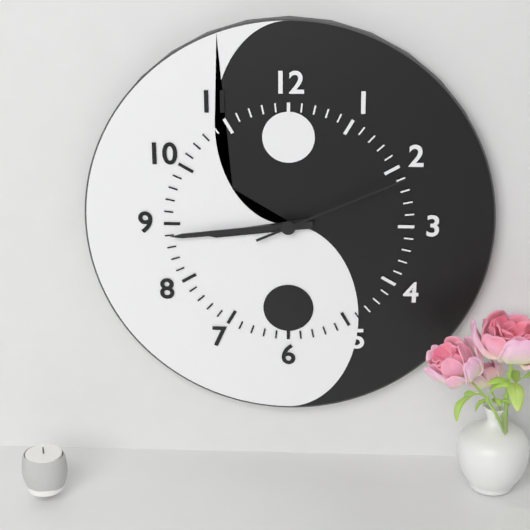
8:44:11
